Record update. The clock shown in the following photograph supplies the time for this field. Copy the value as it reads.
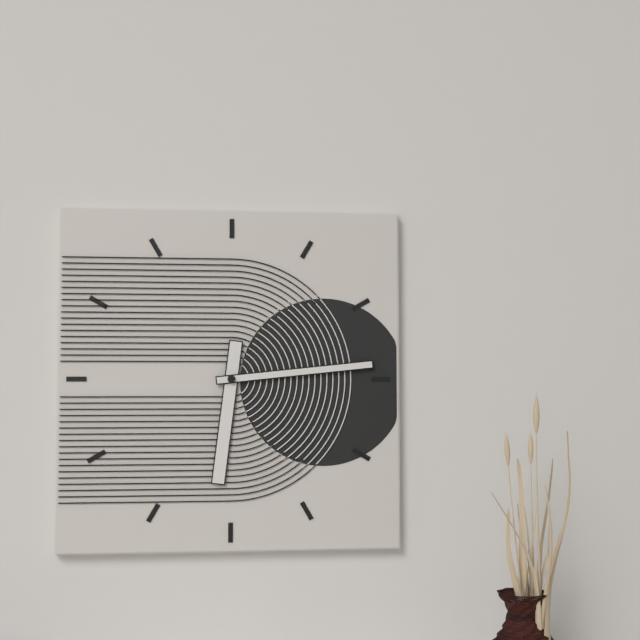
6:14
